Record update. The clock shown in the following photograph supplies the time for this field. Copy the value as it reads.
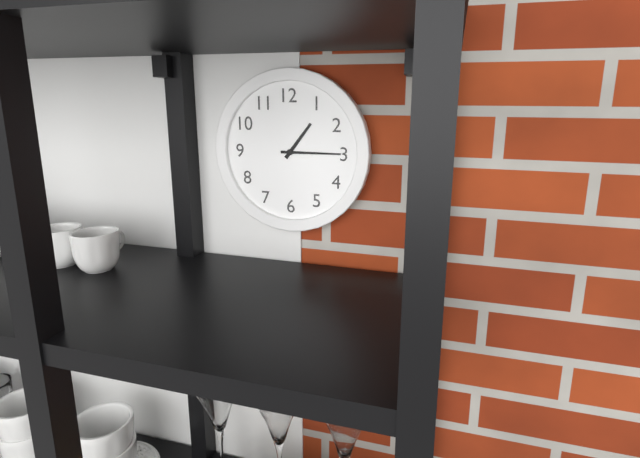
1:15
